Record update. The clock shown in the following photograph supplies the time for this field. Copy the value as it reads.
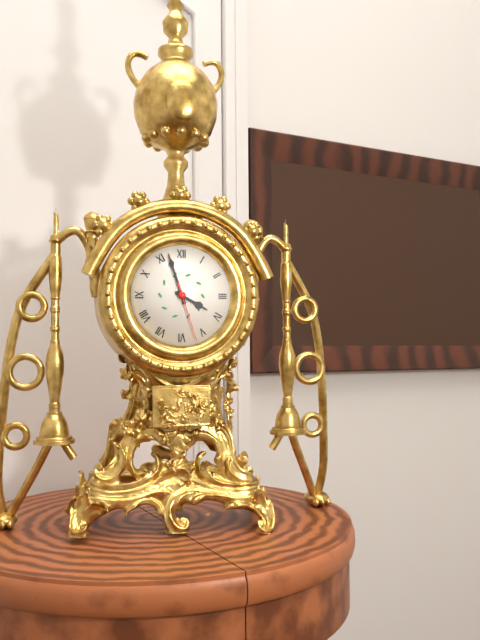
3:57:27
